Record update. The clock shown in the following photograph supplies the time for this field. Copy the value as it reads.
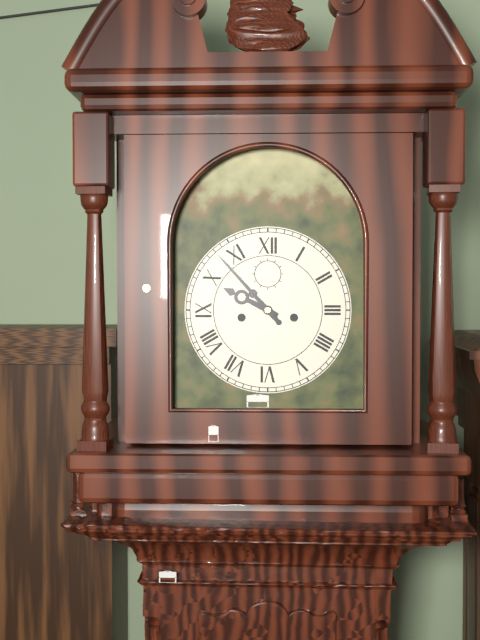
9:53
